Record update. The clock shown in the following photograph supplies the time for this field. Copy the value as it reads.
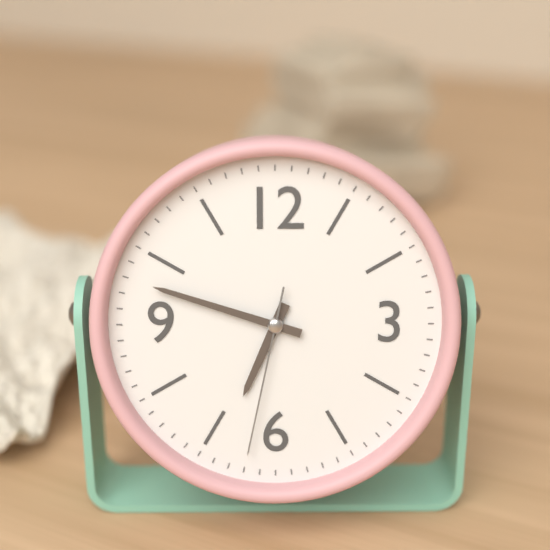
6:48:32
